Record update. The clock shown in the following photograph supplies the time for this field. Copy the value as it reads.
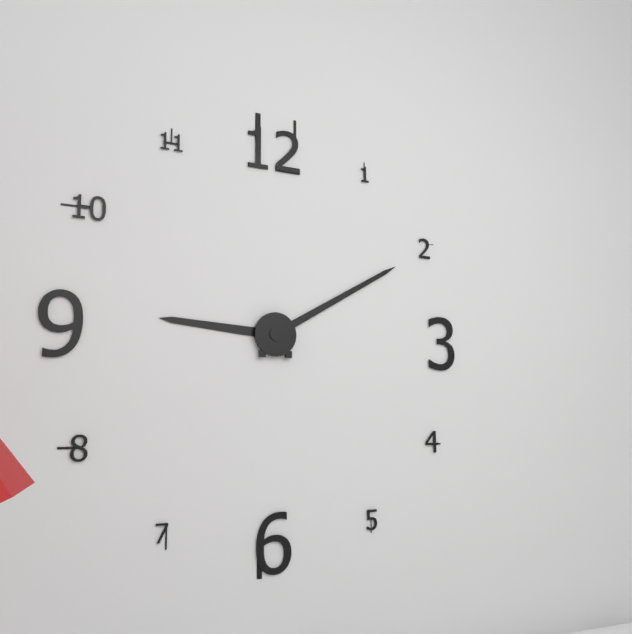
9:10
